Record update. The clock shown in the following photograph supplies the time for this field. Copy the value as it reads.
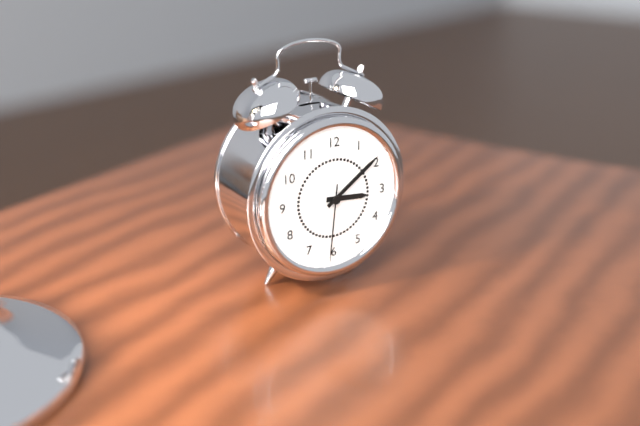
3:09:31
